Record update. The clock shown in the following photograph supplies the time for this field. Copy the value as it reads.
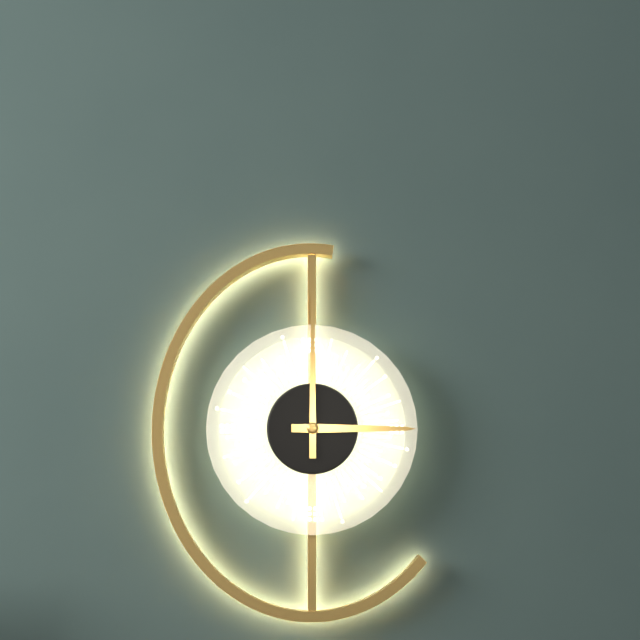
3:00
